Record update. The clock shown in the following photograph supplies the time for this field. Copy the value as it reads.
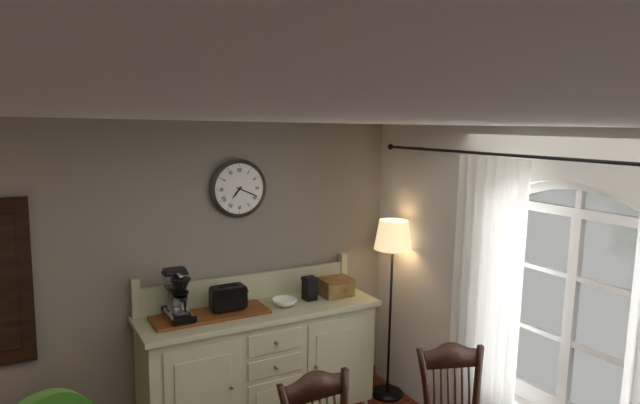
7:19
